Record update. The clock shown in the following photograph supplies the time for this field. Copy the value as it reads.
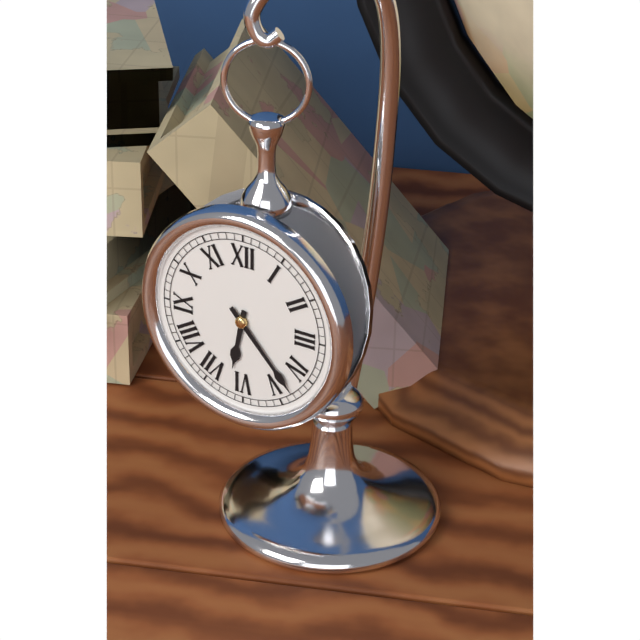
6:23
